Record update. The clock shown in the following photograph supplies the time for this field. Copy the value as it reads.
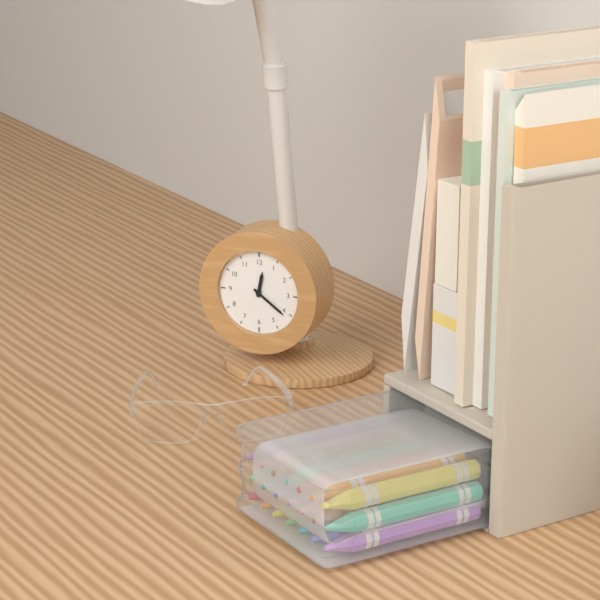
12:21
